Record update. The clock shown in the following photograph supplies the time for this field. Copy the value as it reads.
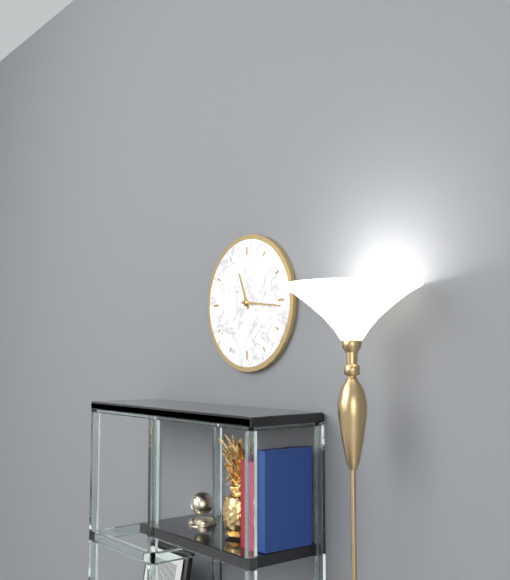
11:16
